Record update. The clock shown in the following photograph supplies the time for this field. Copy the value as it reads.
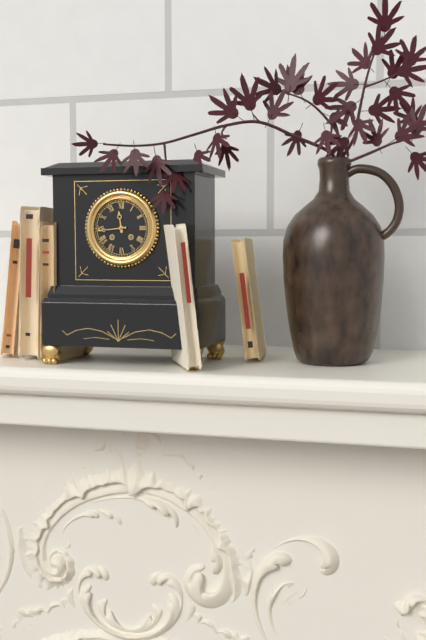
11:44
